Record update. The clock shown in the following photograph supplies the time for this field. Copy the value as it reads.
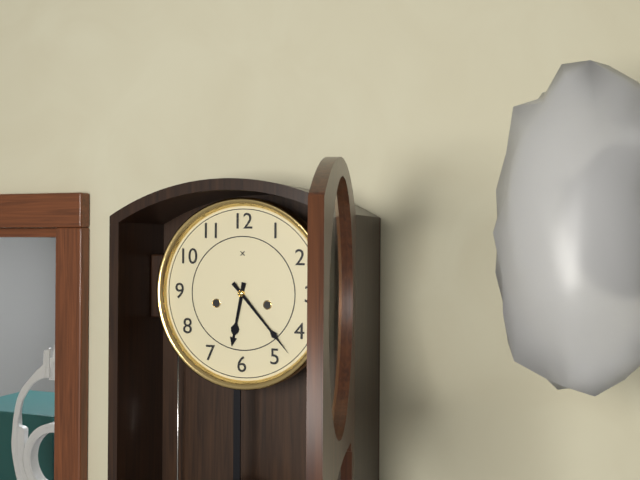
6:23
